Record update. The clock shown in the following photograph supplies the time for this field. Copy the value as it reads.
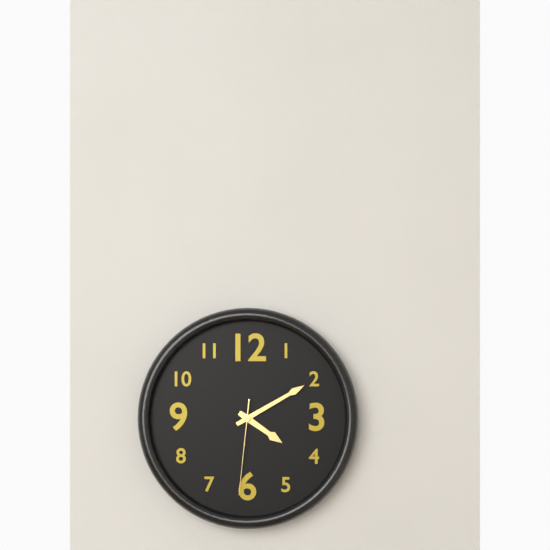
4:10:31
